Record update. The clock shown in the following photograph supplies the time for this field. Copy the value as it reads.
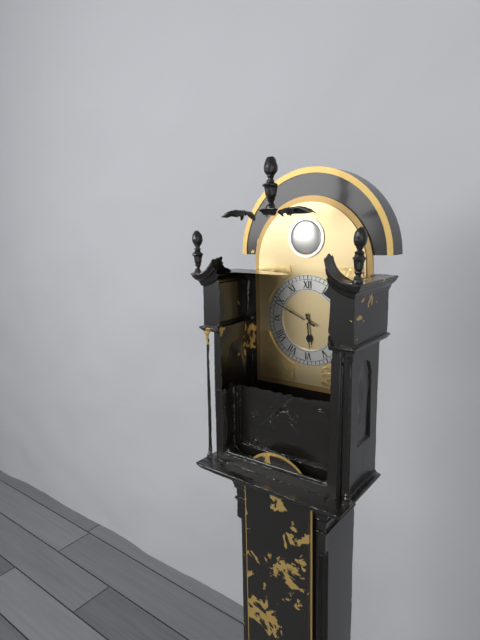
5:49
